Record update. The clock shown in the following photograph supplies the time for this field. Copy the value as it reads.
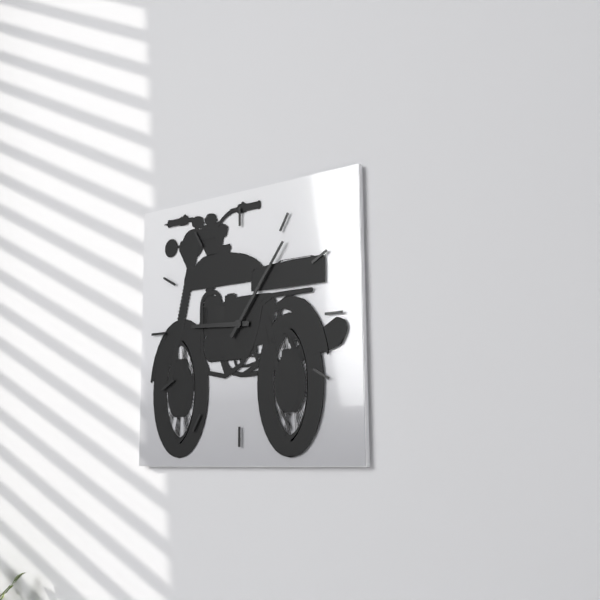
9:06
